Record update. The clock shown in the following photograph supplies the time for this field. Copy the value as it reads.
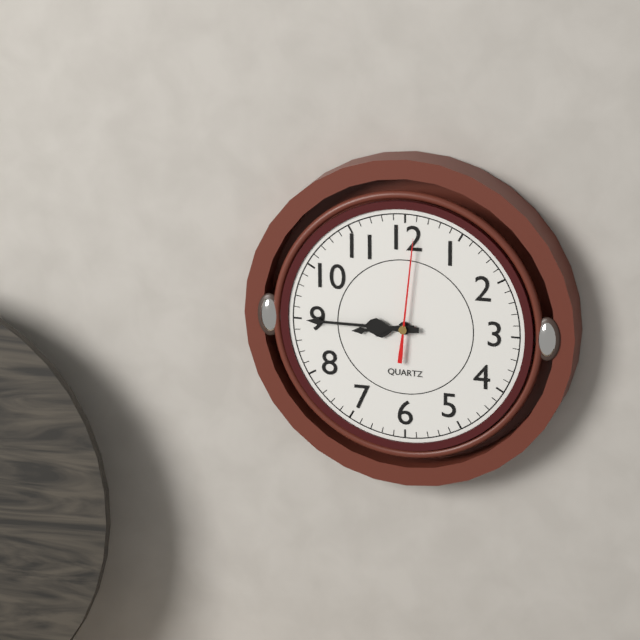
8:45:01
